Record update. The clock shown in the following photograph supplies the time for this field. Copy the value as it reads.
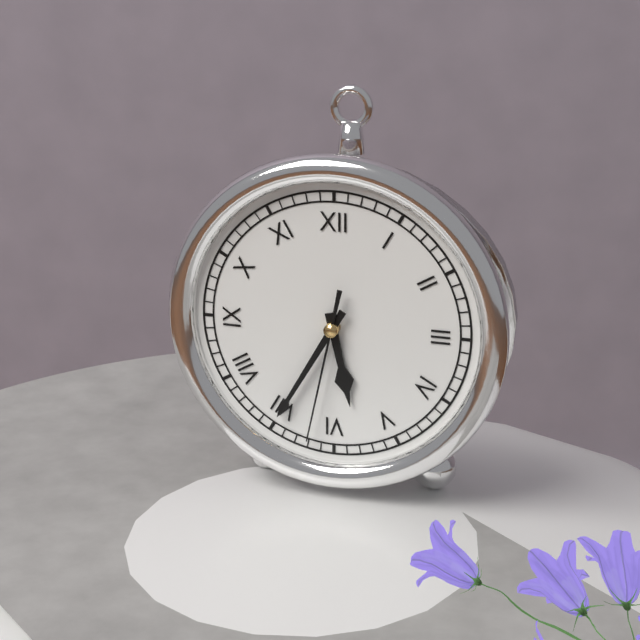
5:35:32
